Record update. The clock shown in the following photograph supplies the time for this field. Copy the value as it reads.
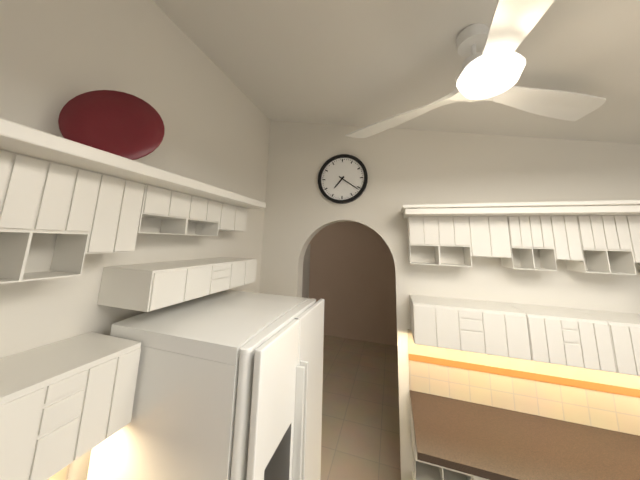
7:21
